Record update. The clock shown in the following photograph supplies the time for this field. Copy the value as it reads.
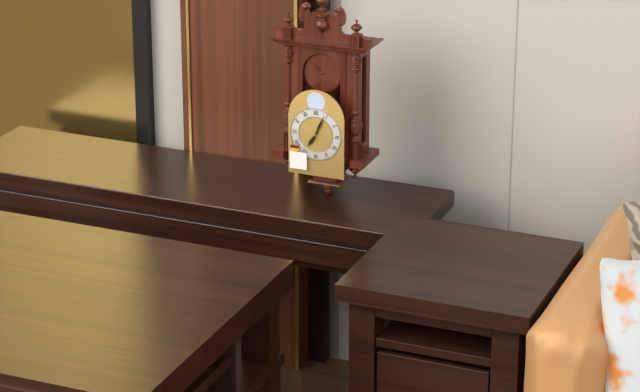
7:04
